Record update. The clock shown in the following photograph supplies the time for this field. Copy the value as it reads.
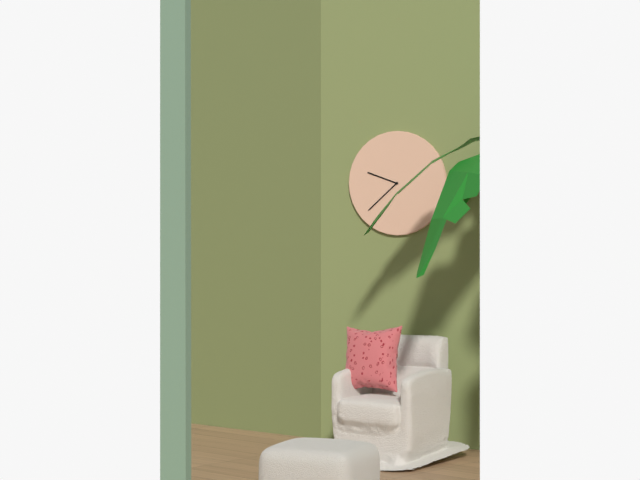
9:38
